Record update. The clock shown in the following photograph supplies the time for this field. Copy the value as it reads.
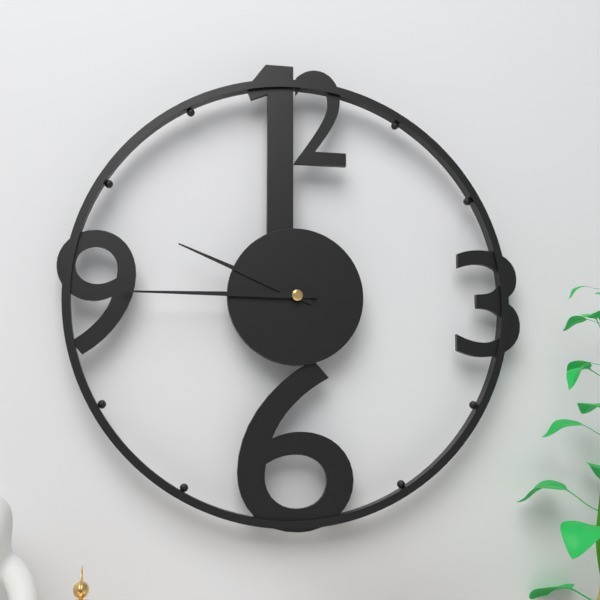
9:45
